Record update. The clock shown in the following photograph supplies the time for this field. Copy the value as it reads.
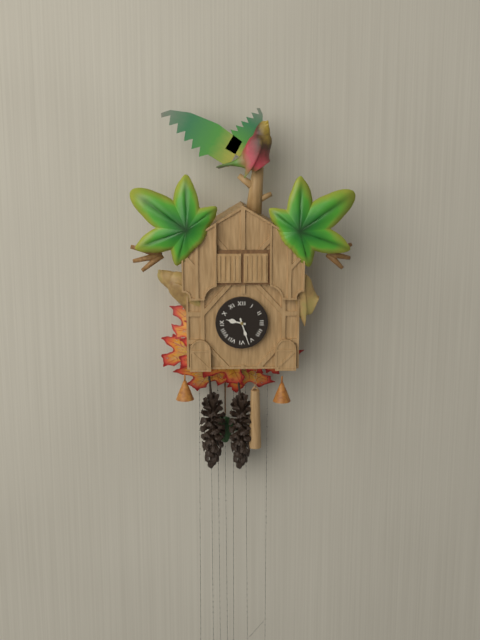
9:27
